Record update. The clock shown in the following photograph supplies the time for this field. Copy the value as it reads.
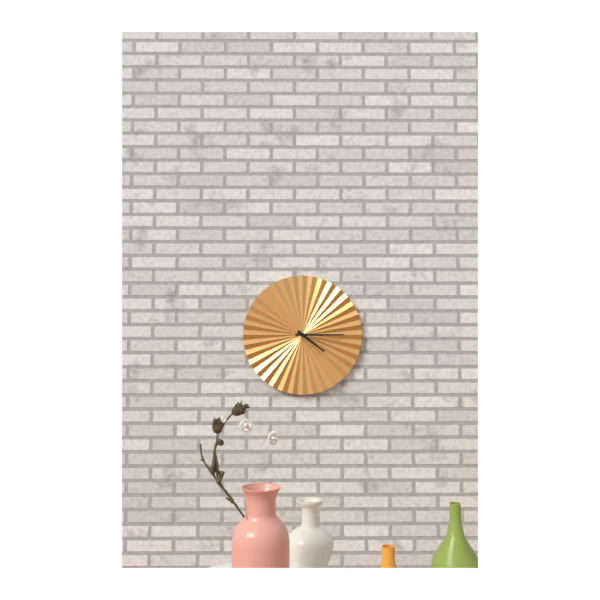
4:15
